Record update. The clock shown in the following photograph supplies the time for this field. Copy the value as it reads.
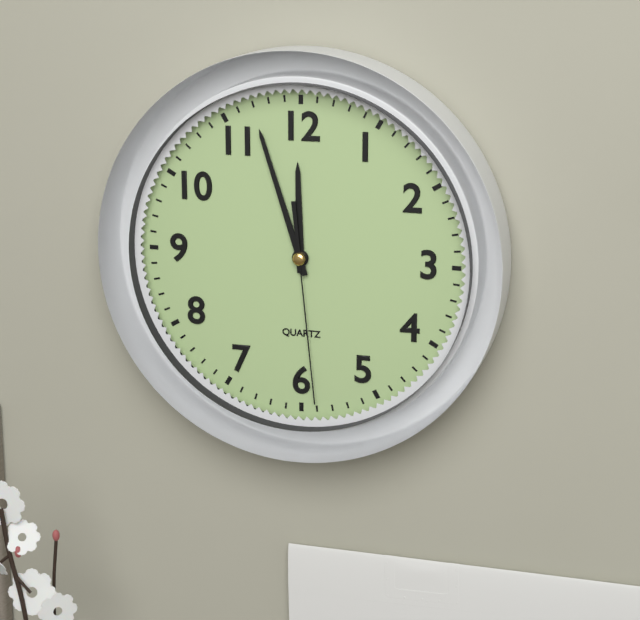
11:57:29
